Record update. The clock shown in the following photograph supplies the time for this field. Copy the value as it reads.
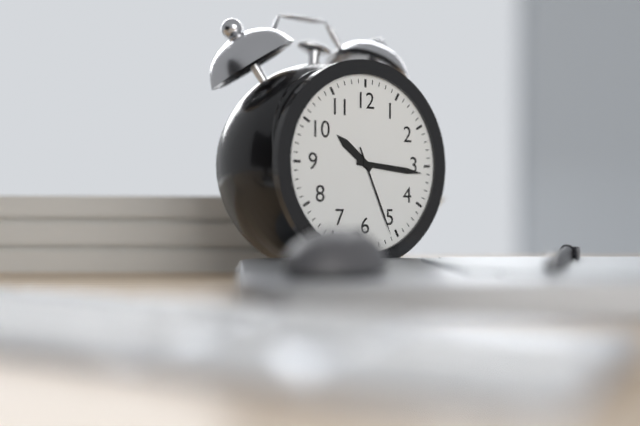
10:16:26
